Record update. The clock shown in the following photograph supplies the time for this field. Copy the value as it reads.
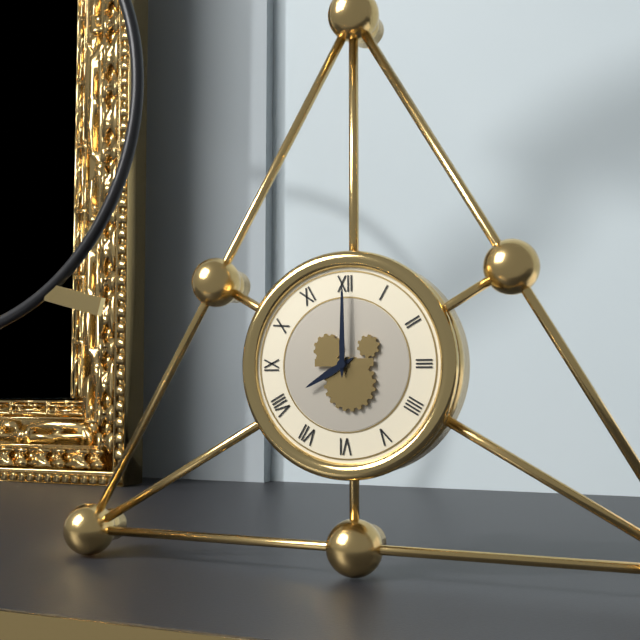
8:00
